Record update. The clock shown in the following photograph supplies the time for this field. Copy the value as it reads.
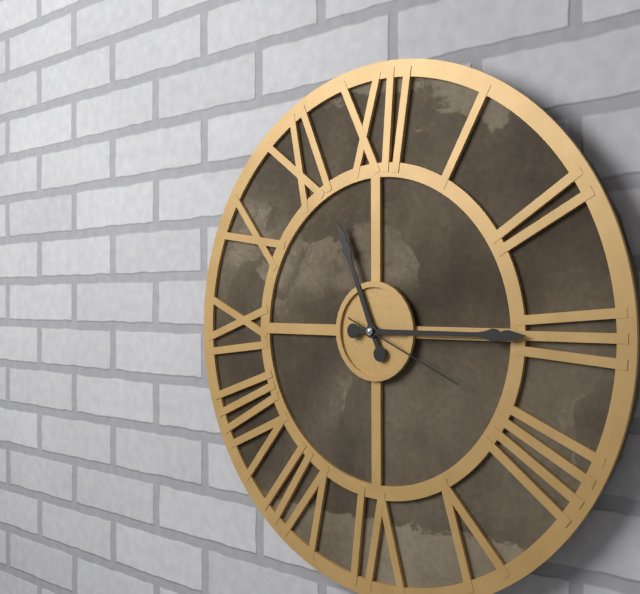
11:15:19
